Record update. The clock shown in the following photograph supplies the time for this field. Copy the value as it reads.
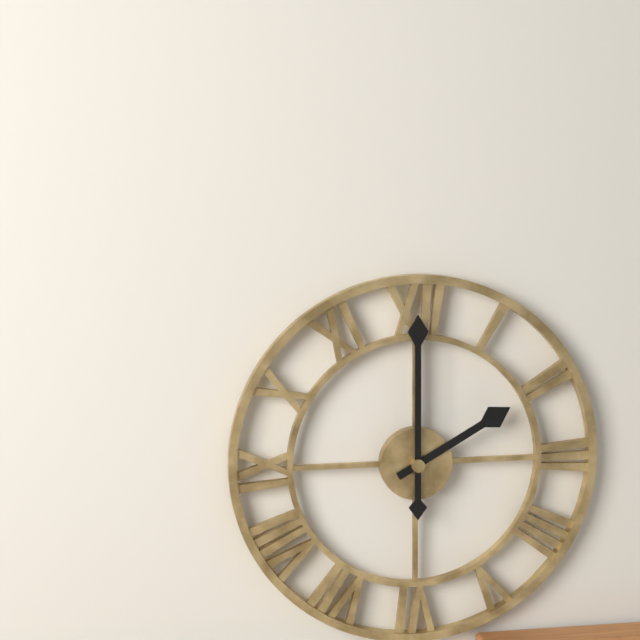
2:00
